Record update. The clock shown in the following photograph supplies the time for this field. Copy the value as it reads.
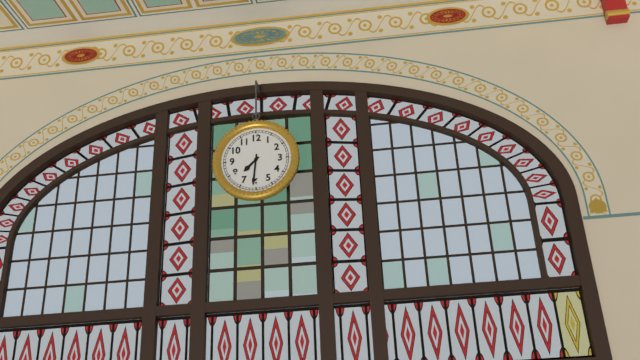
7:31
